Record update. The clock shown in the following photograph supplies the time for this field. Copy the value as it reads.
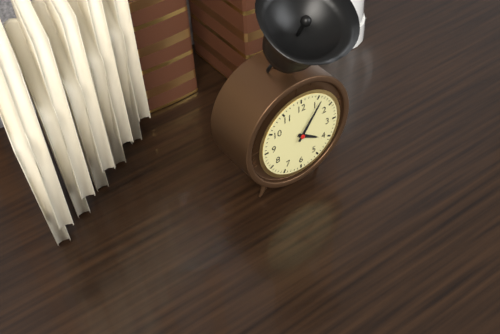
4:06
